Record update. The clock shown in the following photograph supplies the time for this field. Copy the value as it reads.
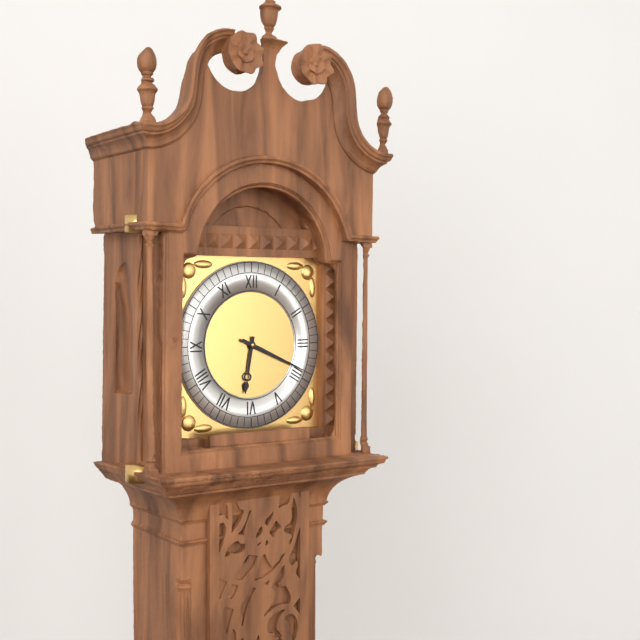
6:19
